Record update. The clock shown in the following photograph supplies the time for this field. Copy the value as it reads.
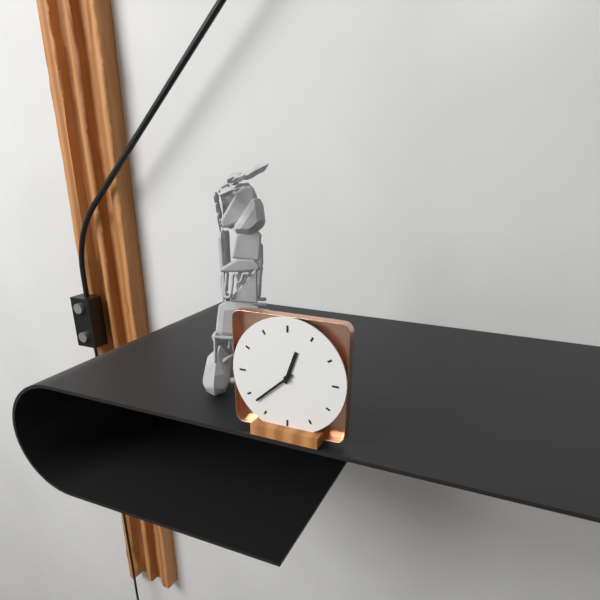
12:38
